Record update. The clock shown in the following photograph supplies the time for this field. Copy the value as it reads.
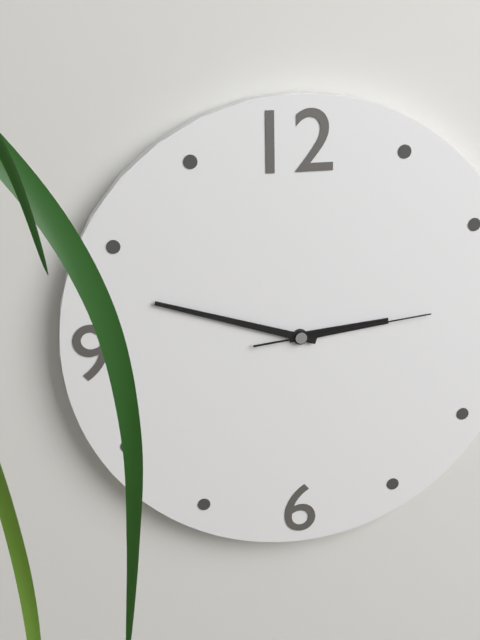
2:48:14
